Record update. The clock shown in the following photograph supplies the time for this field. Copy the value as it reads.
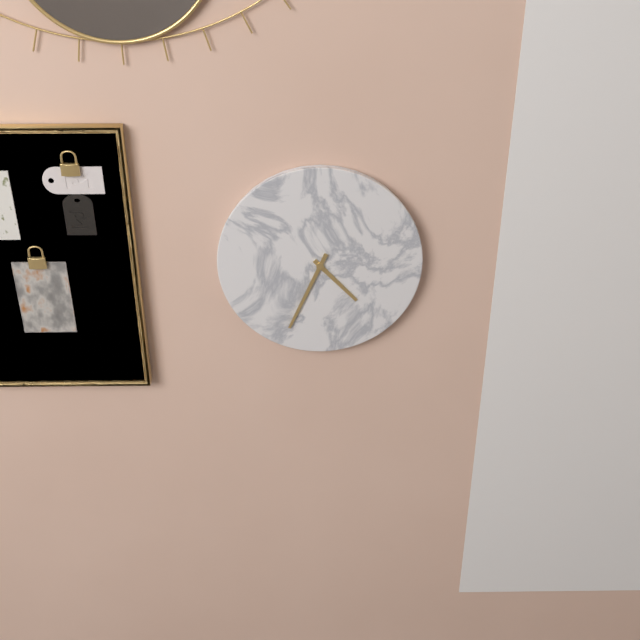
4:34
